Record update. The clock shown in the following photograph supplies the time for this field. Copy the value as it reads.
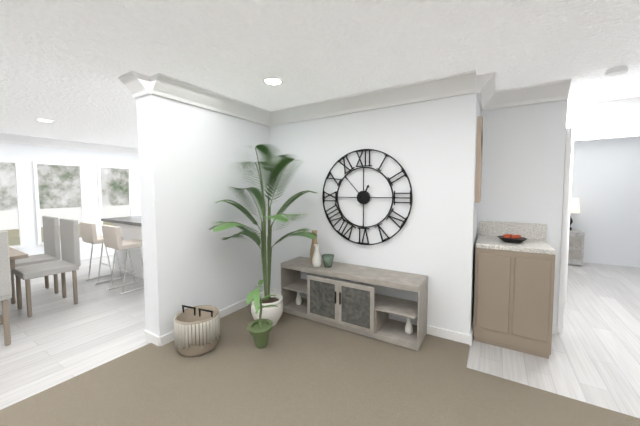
12:53
